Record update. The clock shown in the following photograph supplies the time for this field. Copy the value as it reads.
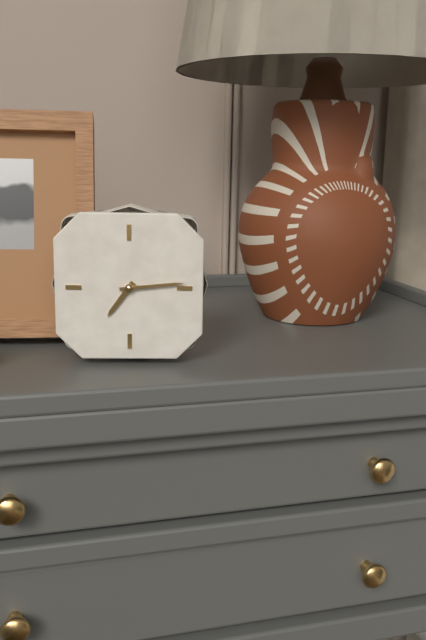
7:14
